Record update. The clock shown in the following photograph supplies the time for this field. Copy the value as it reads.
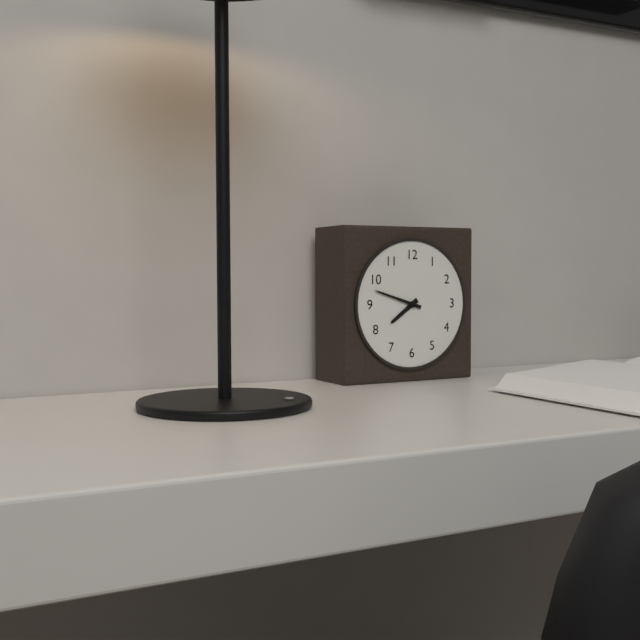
7:48
